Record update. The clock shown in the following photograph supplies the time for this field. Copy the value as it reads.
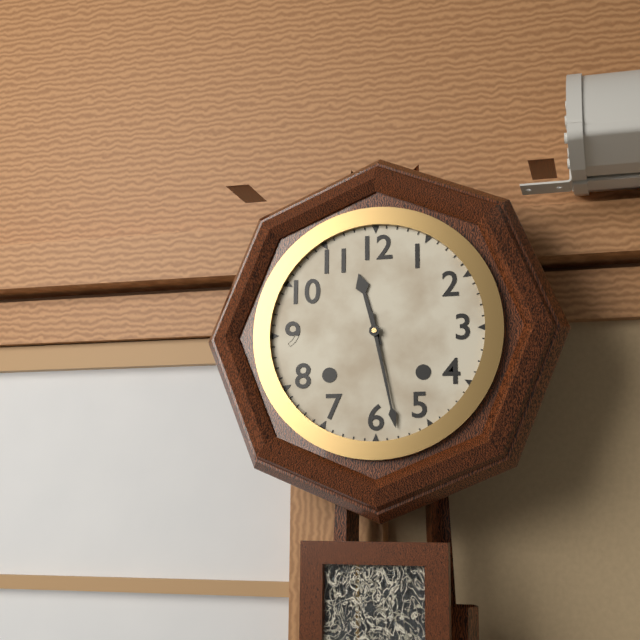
11:28
